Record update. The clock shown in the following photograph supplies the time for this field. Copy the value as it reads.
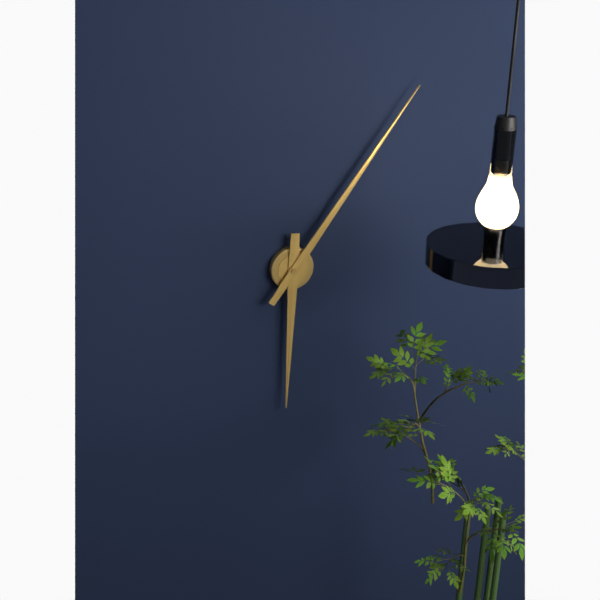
6:06
